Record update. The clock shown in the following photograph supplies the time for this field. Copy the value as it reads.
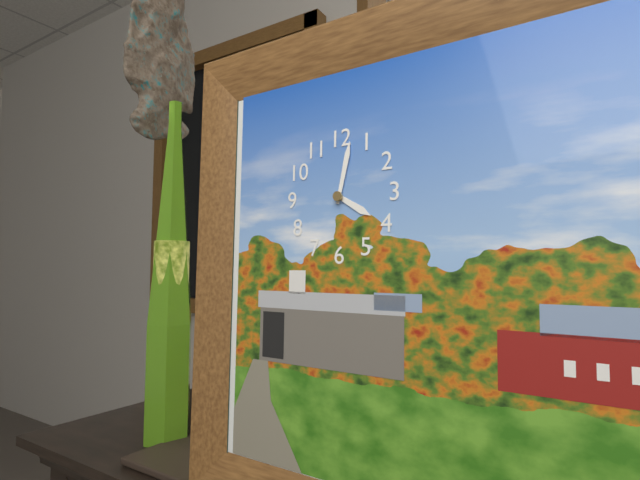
4:02
